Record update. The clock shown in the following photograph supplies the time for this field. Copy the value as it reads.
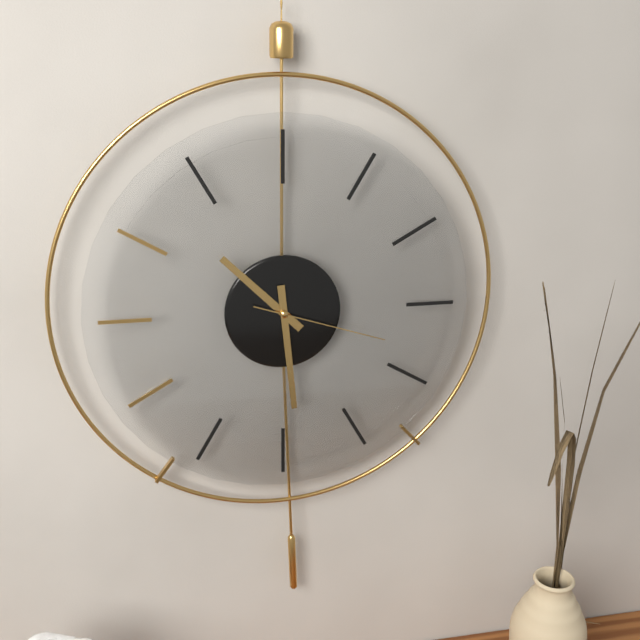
10:29:18
